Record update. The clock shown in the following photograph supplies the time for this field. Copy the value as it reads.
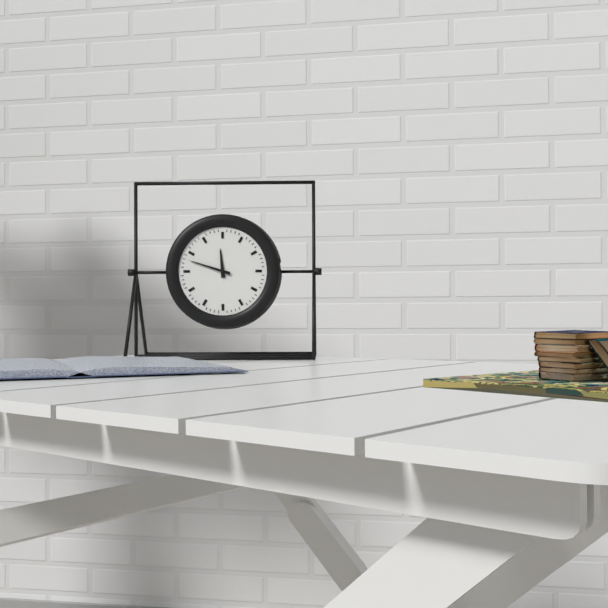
11:48
